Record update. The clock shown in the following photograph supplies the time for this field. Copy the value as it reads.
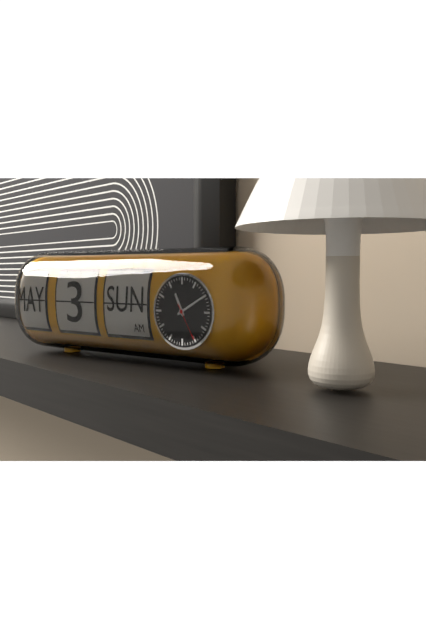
11:10
